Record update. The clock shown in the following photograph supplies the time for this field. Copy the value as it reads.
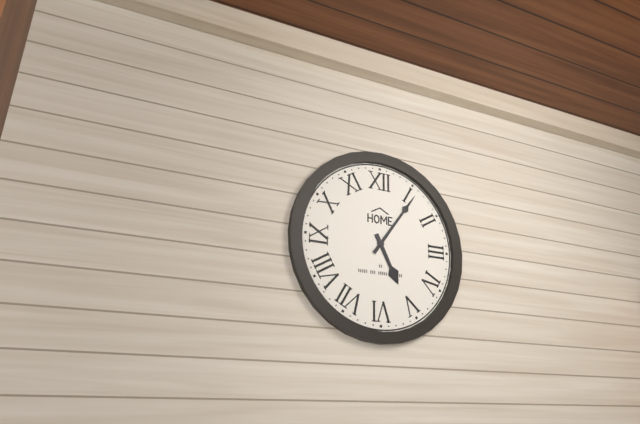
5:06
